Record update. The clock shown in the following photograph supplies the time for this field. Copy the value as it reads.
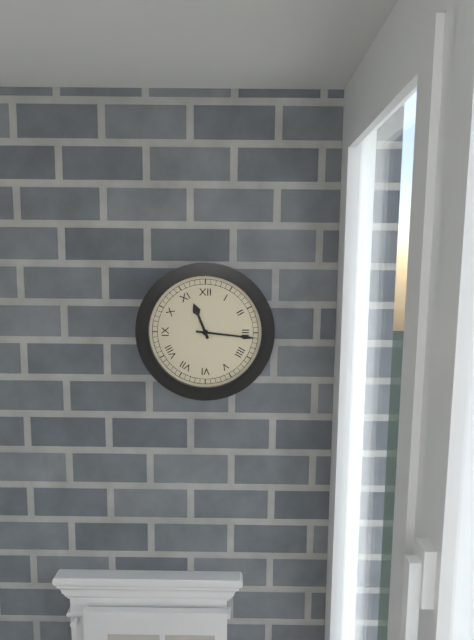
11:16
